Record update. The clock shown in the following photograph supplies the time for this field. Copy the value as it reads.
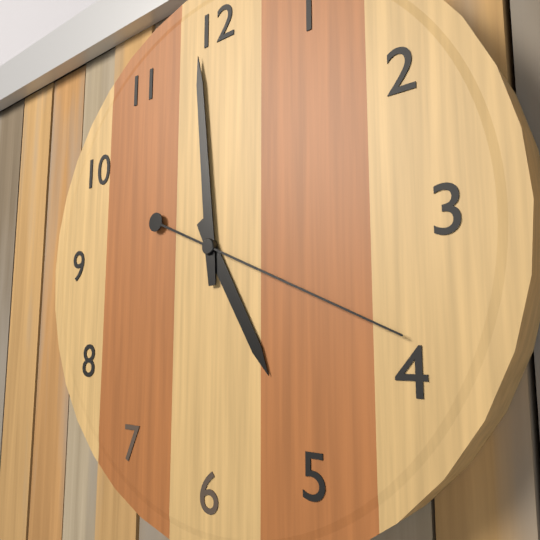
4:59:19
